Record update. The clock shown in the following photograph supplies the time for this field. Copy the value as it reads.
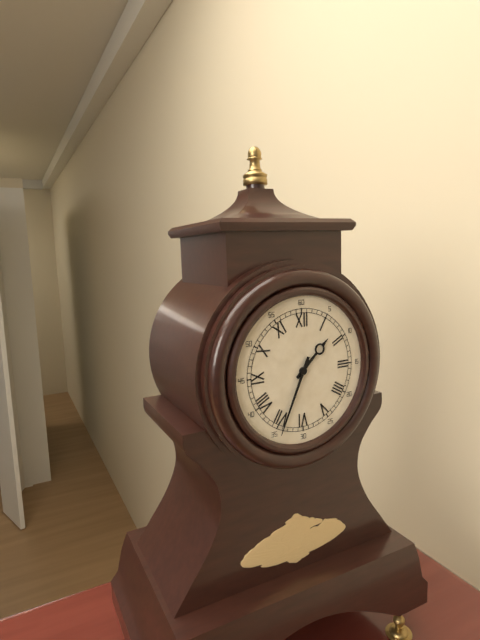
1:34
